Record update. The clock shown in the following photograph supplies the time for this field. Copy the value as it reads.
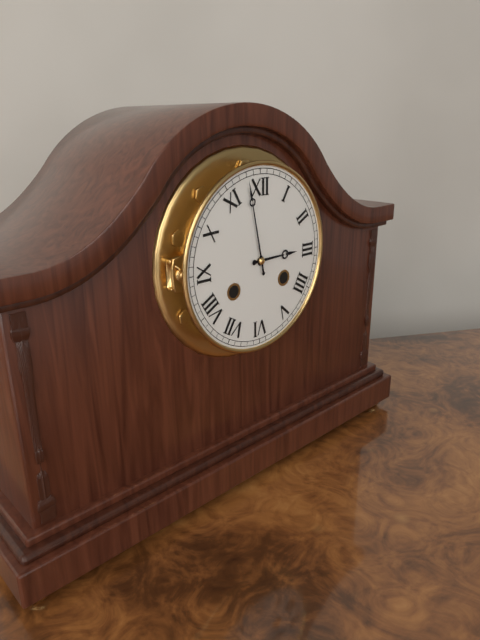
2:58
